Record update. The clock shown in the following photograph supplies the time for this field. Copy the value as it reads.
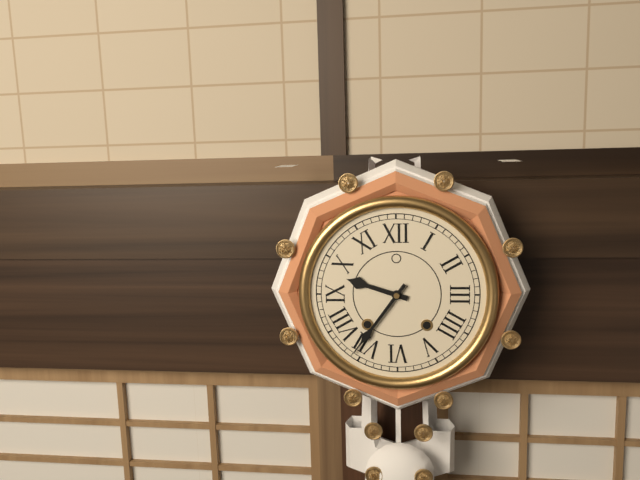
9:36
